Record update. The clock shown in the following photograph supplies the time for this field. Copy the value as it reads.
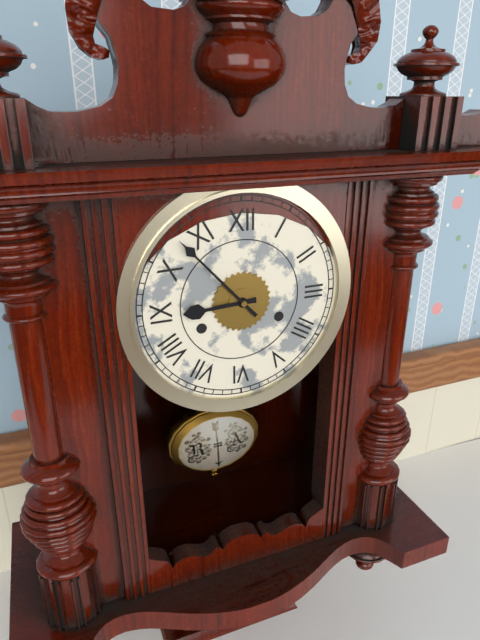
8:53
